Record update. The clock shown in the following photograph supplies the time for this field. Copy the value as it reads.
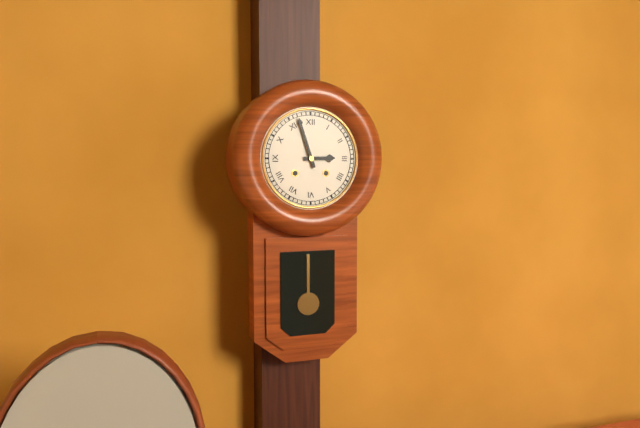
2:57
